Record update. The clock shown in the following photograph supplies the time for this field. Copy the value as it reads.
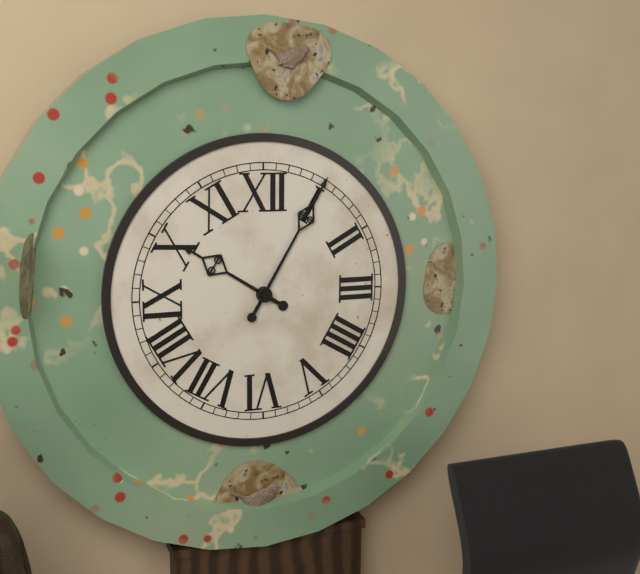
10:05
